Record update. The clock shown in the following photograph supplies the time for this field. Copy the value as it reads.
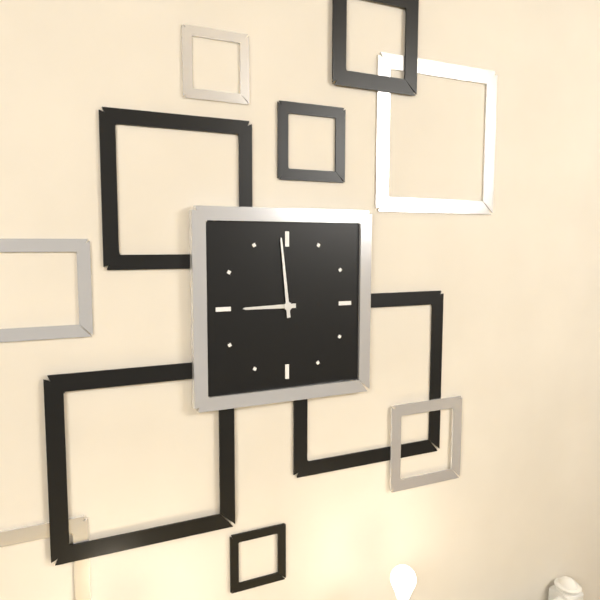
8:59
